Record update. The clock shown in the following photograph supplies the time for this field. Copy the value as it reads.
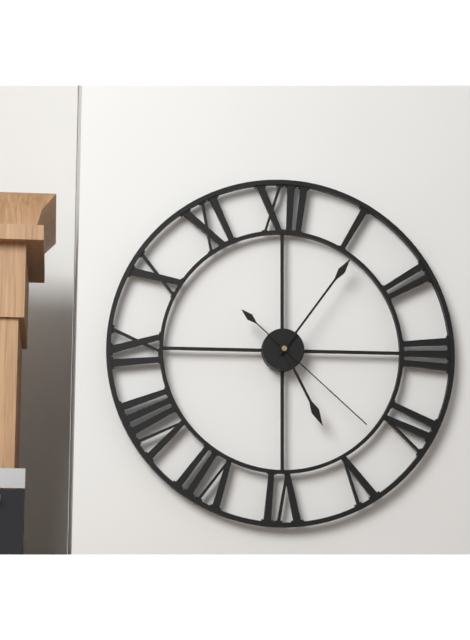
5:06:22
